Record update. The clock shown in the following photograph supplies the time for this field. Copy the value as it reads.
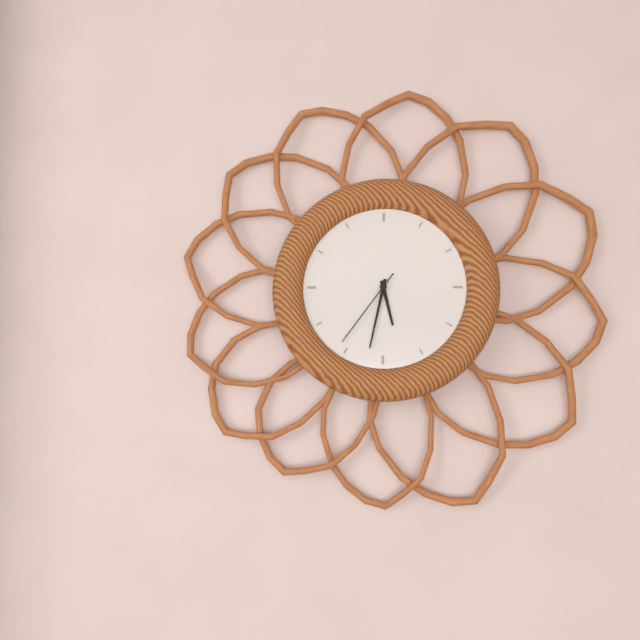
5:32:36
